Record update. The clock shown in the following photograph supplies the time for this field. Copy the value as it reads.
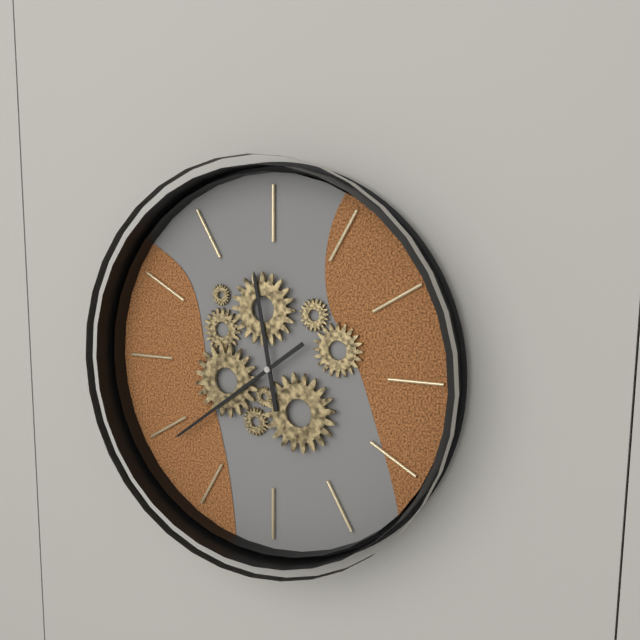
11:39
